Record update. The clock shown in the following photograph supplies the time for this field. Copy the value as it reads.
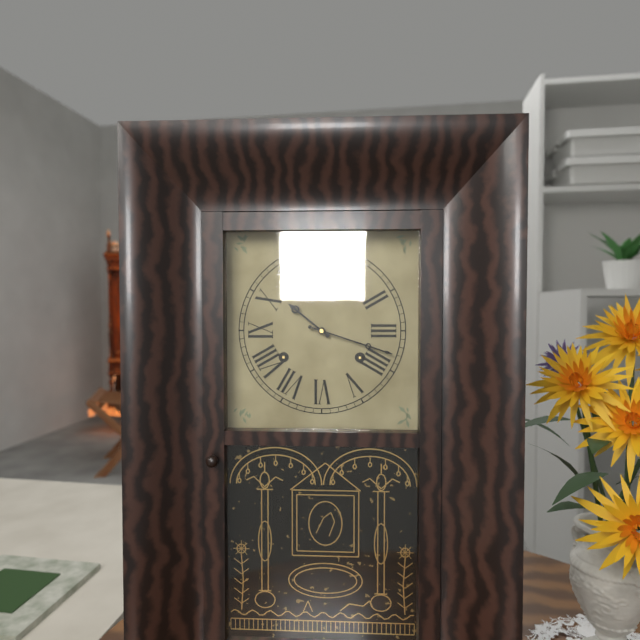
10:18
